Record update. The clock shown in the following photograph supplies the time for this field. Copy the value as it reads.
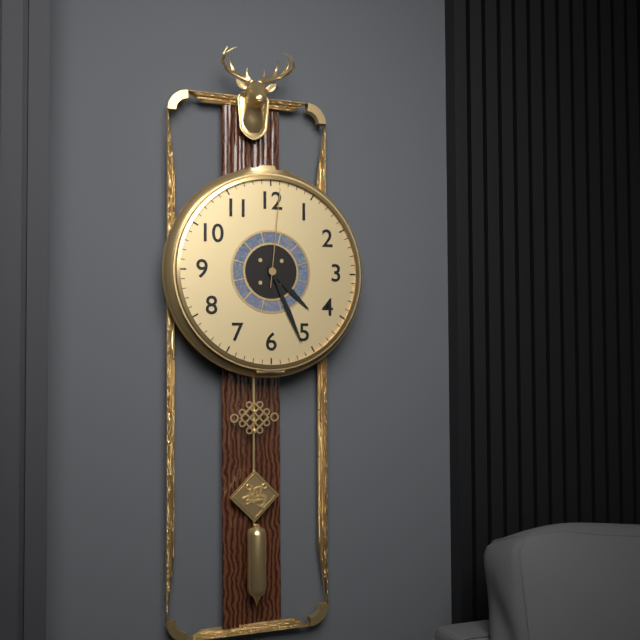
4:26:01
